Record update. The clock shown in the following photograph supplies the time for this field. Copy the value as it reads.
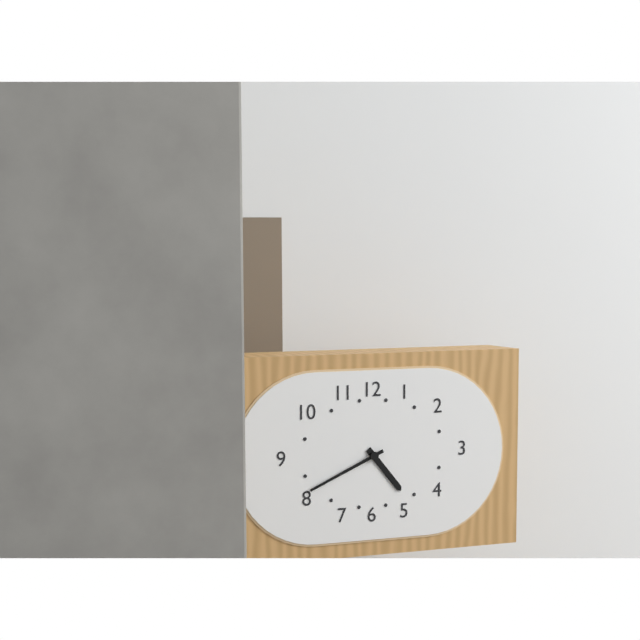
4:41
